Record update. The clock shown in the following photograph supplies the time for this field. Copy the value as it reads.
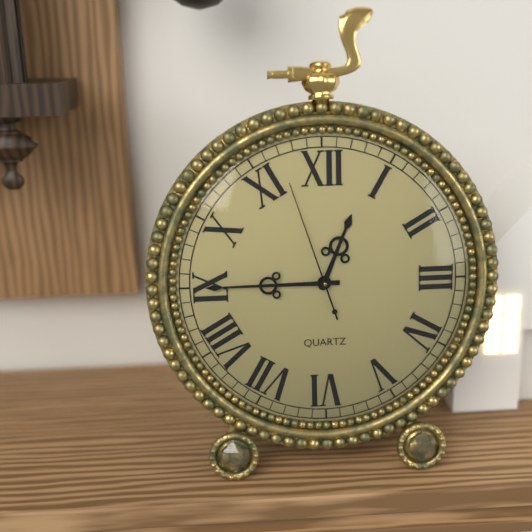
12:45:57
